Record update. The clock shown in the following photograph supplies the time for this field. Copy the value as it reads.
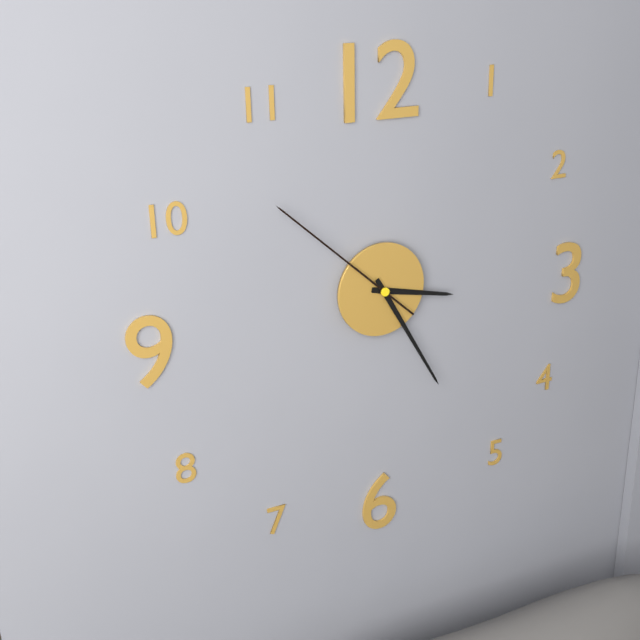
3:25:52
